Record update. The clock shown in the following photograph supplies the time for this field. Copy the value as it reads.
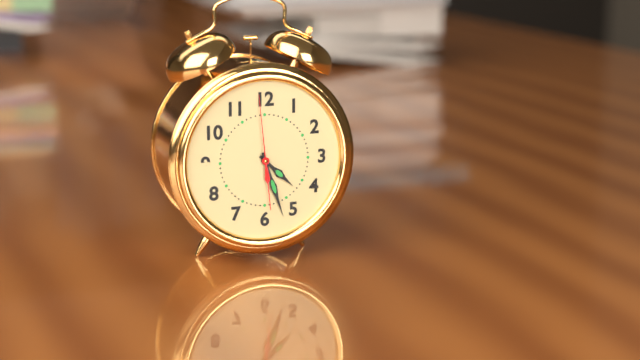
4:27:59
